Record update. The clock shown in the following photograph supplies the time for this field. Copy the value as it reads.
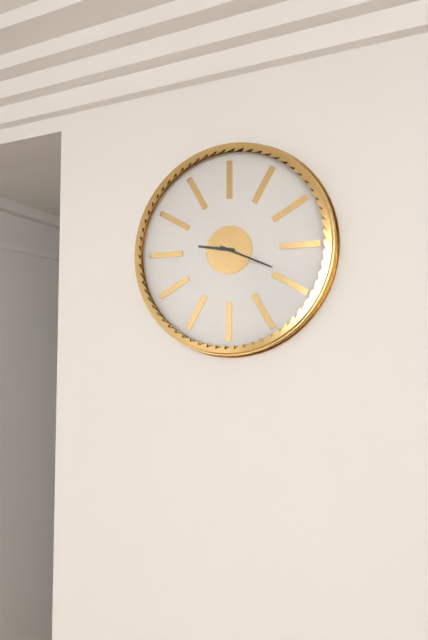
9:19
